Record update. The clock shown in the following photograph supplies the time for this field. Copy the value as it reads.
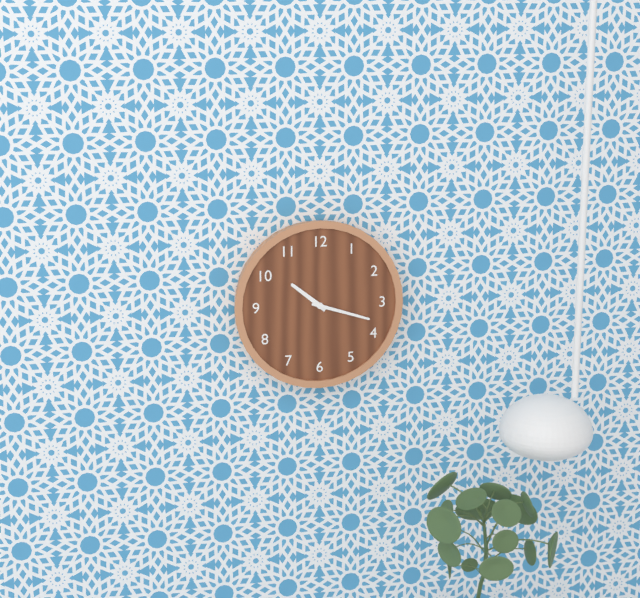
10:18
